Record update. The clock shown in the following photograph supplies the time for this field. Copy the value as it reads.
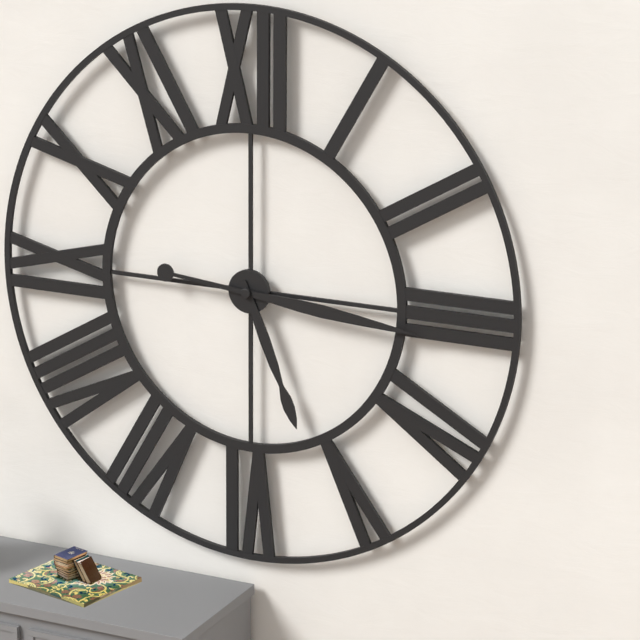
5:16
